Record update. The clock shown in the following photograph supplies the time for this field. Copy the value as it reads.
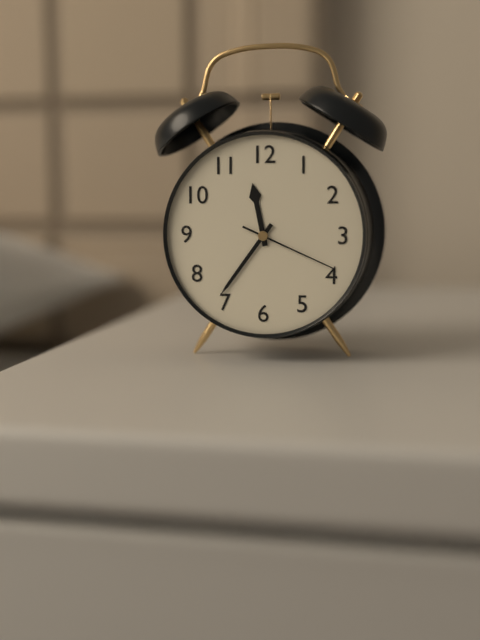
11:36:19
